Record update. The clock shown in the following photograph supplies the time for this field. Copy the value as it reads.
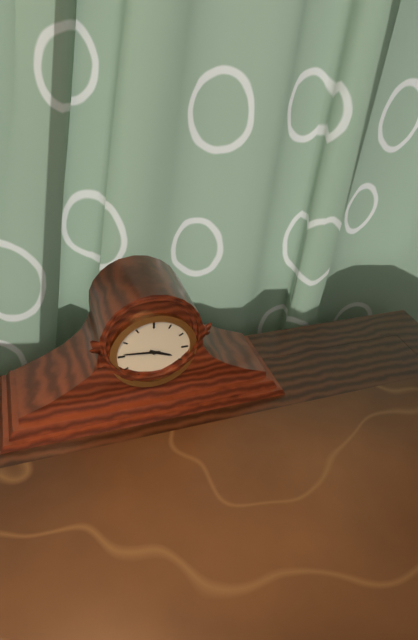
3:46
